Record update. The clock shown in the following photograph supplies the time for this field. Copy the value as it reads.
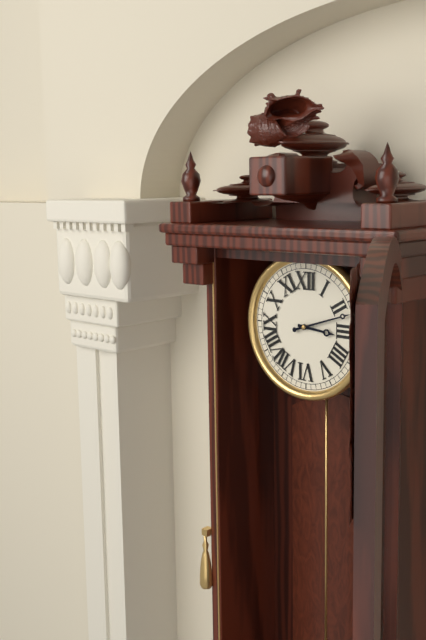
3:12
